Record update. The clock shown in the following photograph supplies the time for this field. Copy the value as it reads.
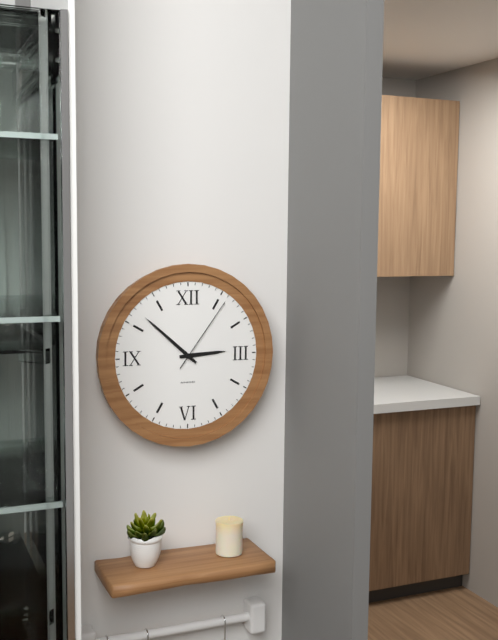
2:52:06
